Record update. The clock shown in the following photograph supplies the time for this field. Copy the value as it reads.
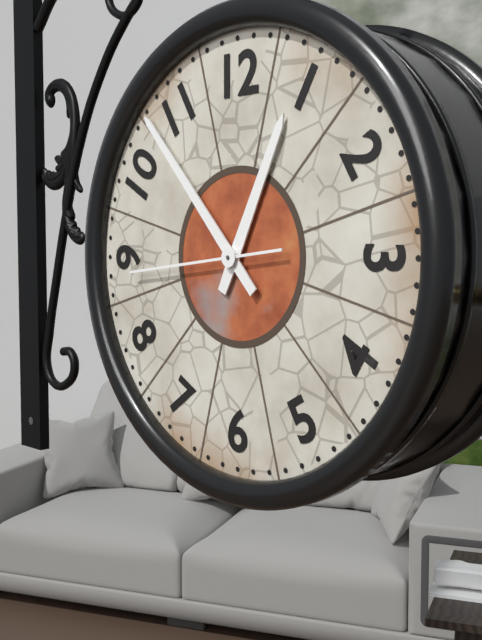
12:53:44
